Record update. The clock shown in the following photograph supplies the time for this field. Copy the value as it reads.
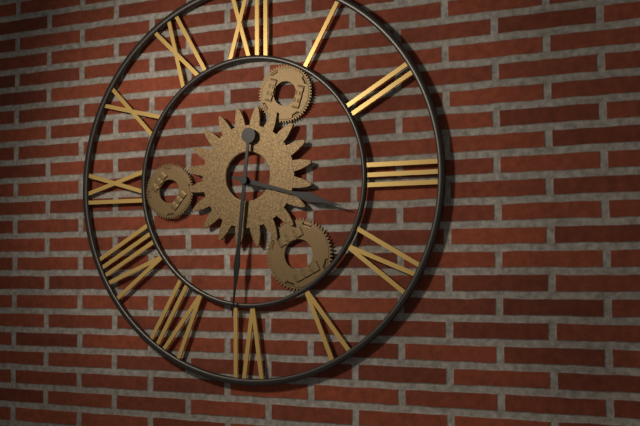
3:31
